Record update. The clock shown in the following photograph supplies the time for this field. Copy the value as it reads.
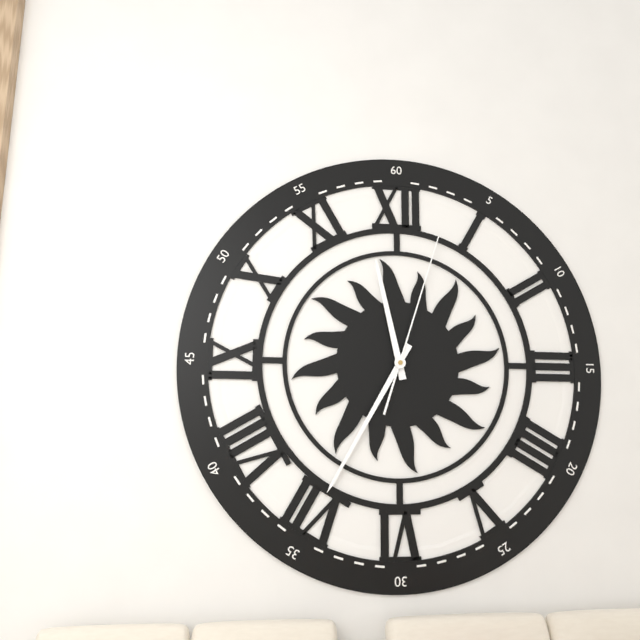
11:35:03
